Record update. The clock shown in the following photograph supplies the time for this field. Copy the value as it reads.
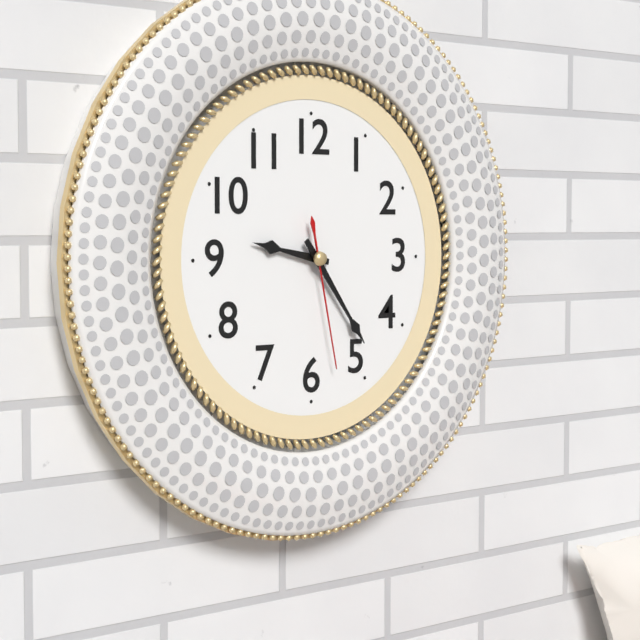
9:24:28
